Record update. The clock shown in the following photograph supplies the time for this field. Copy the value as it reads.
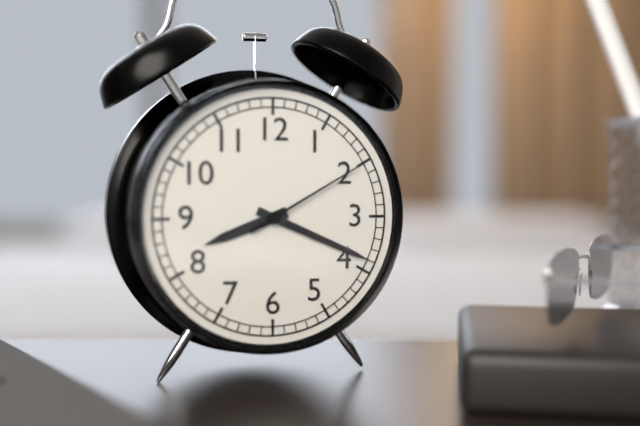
8:19:10
